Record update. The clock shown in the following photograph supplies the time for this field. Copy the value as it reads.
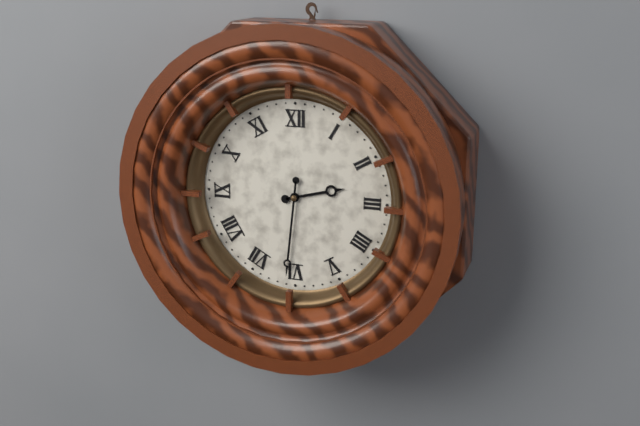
2:31
